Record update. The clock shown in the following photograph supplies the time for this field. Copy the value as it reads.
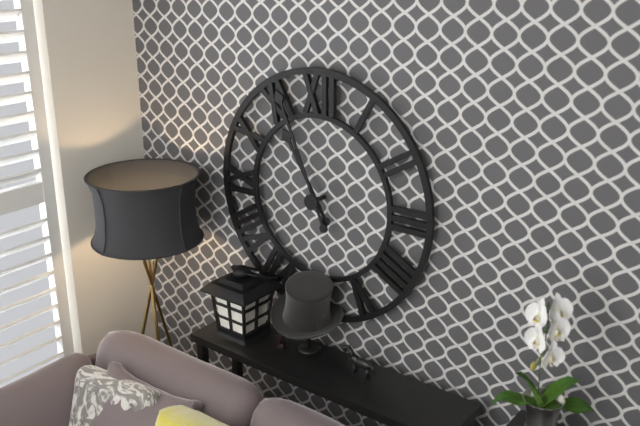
10:56
